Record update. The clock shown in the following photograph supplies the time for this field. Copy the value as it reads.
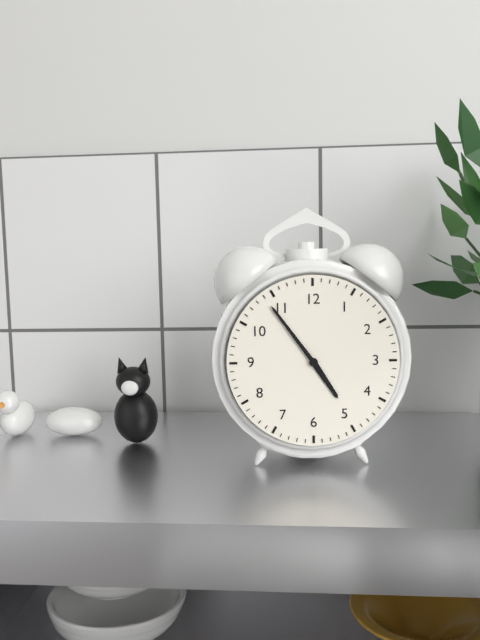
4:54
